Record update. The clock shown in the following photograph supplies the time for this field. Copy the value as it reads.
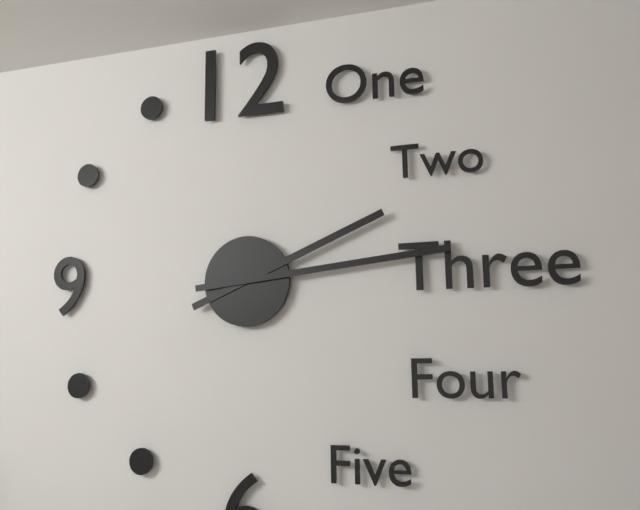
2:14
